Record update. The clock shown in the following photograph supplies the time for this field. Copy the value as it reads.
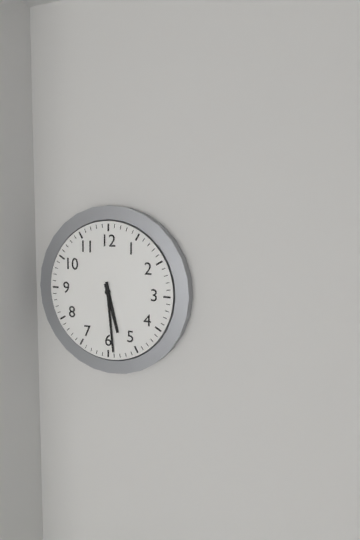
5:29
